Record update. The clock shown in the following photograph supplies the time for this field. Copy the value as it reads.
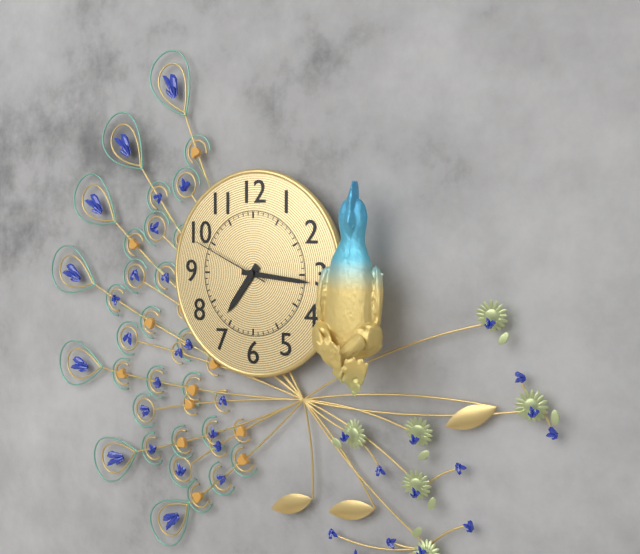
7:16:49
